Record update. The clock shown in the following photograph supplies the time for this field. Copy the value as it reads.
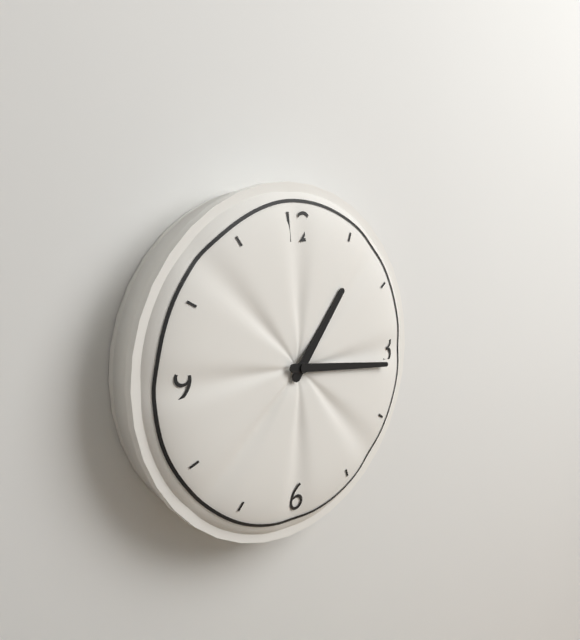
1:16
